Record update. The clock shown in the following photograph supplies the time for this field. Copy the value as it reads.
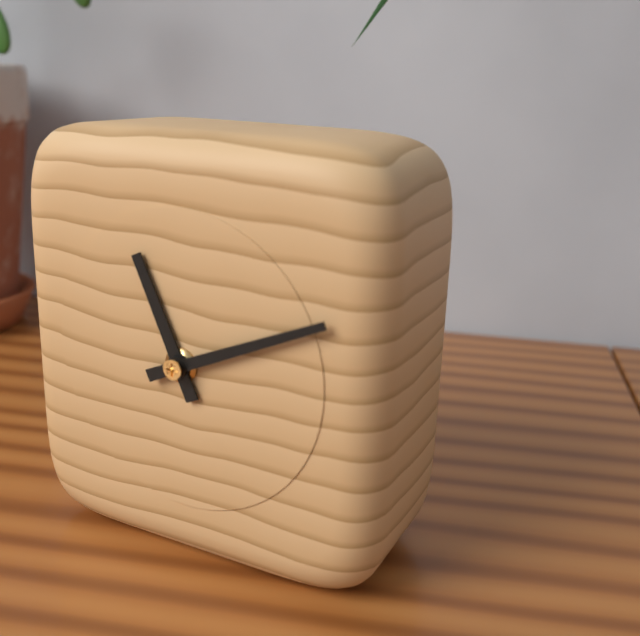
11:11
